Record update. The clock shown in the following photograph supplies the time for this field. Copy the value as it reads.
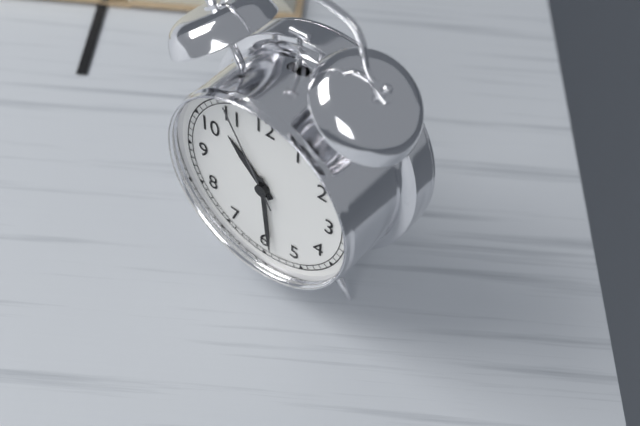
10:29:55
